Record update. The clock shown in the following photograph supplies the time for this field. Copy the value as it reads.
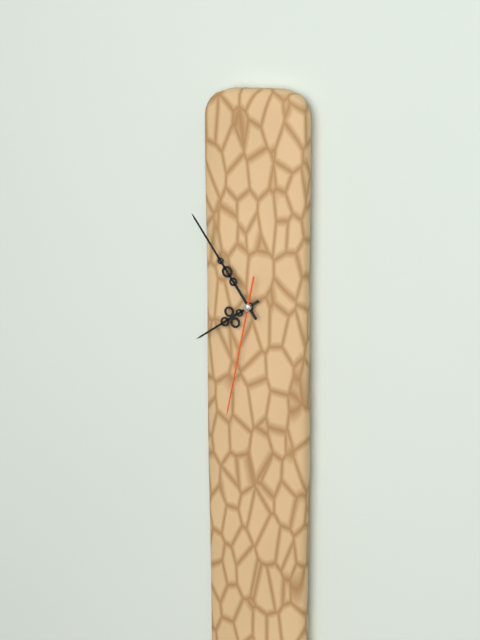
7:54:32
